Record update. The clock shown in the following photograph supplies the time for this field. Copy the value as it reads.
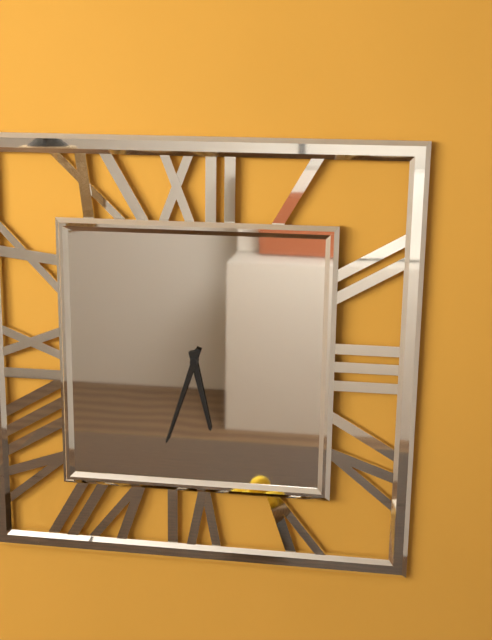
5:33
